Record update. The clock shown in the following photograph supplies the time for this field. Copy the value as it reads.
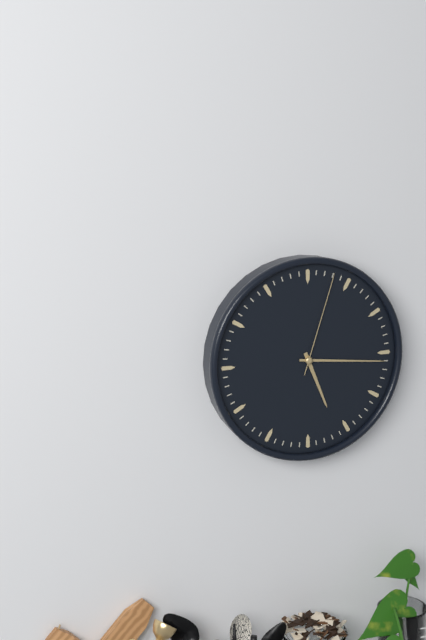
5:16:03
